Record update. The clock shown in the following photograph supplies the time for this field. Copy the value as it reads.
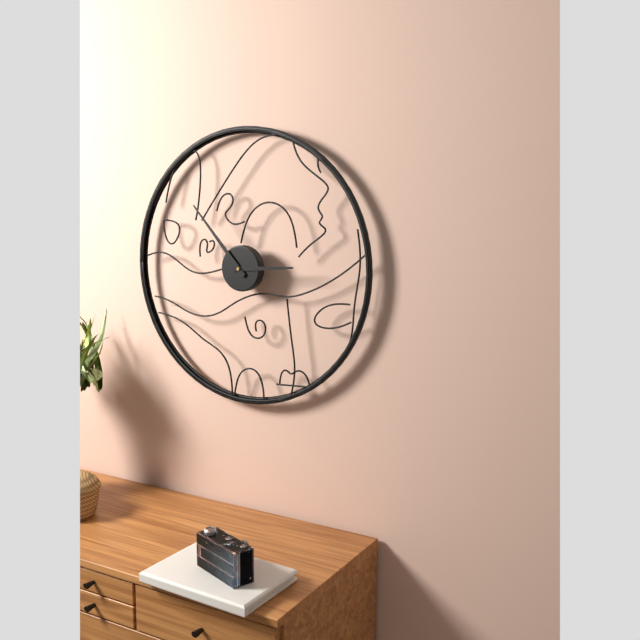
2:53
